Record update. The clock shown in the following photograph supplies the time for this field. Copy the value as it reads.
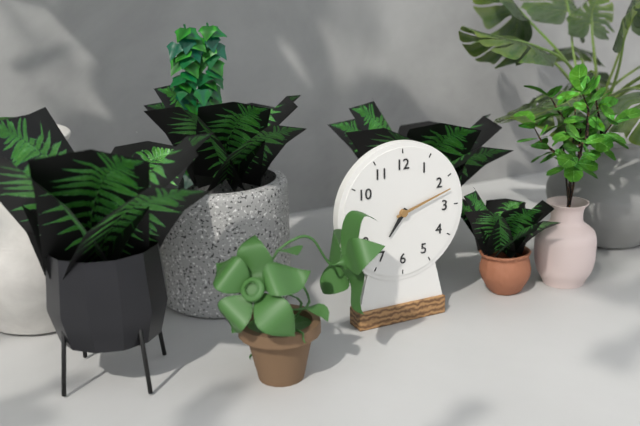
7:12
